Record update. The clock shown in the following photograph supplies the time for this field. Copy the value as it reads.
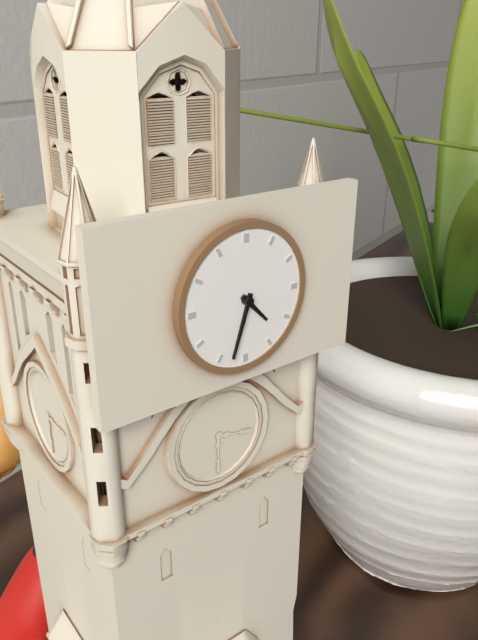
4:33
